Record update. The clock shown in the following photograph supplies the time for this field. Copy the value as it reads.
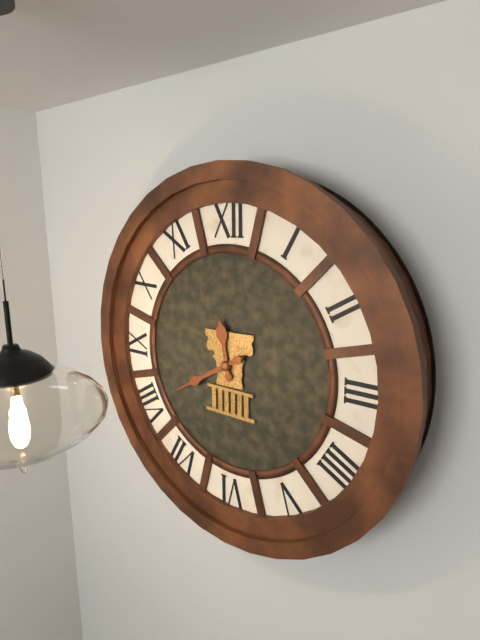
11:40
